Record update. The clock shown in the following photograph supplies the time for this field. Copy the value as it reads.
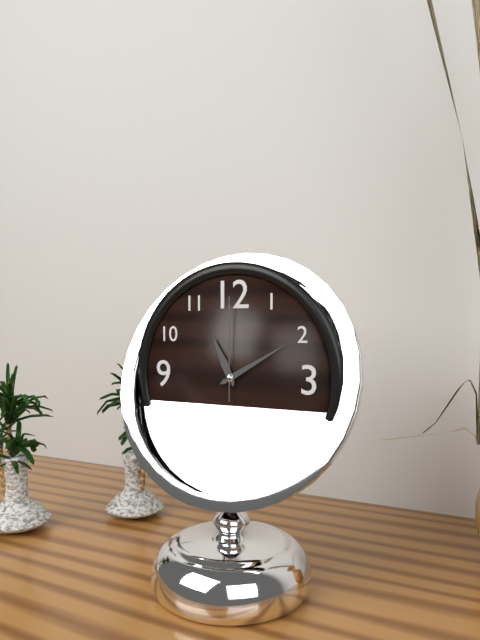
11:10:00
